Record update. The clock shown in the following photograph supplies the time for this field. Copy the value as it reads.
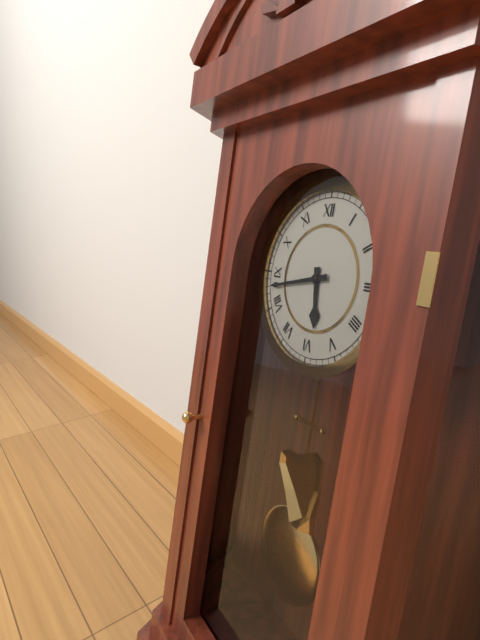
5:43
